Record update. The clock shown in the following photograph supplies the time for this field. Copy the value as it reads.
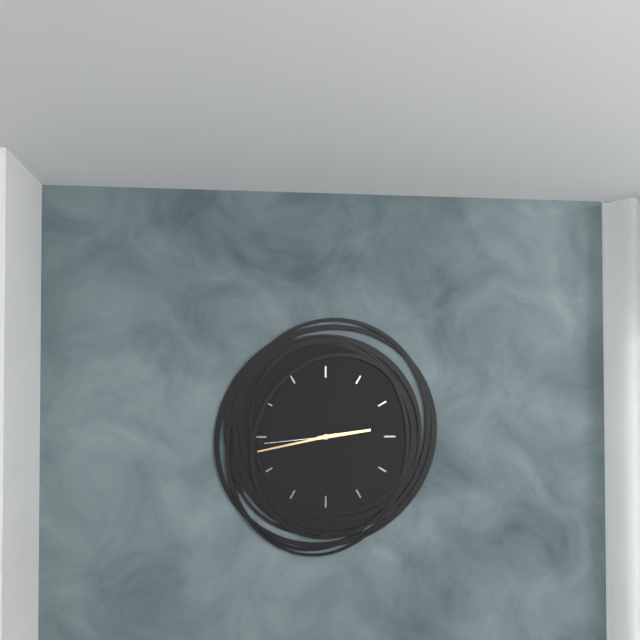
2:43:44
